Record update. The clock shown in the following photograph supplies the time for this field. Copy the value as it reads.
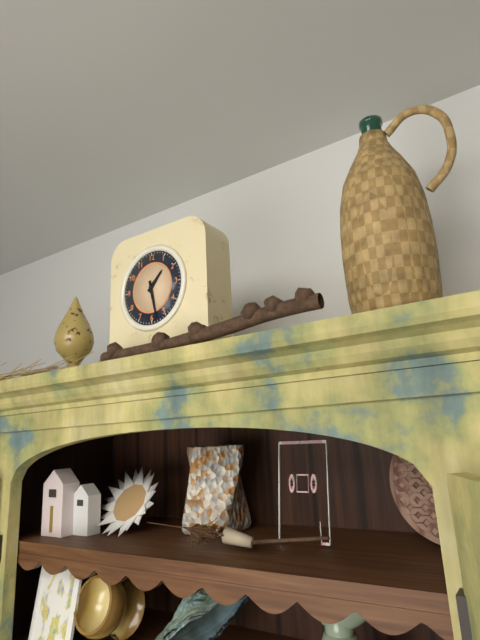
1:28
